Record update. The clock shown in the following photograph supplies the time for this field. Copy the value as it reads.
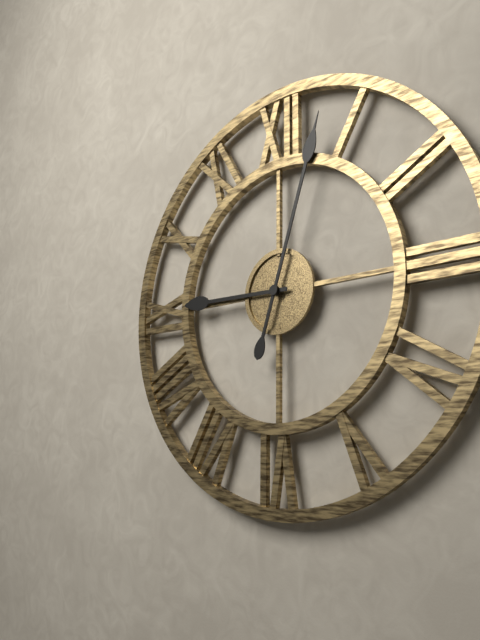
9:03
